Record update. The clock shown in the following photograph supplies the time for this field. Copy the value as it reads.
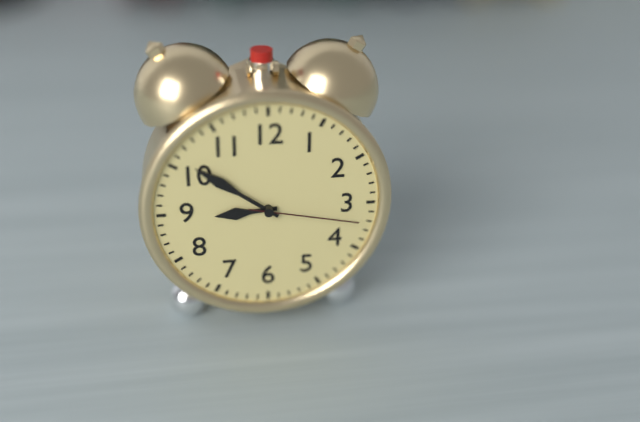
8:51:17
